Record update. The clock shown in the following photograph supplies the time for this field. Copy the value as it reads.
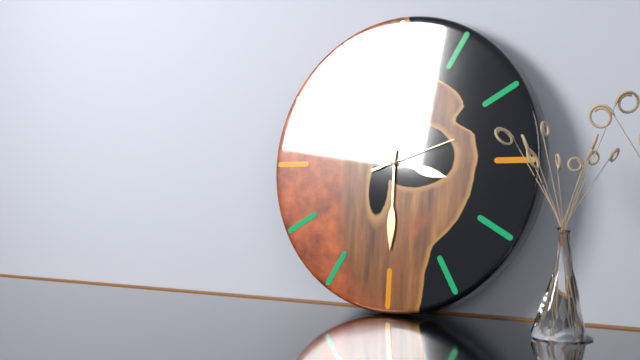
3:30:12
